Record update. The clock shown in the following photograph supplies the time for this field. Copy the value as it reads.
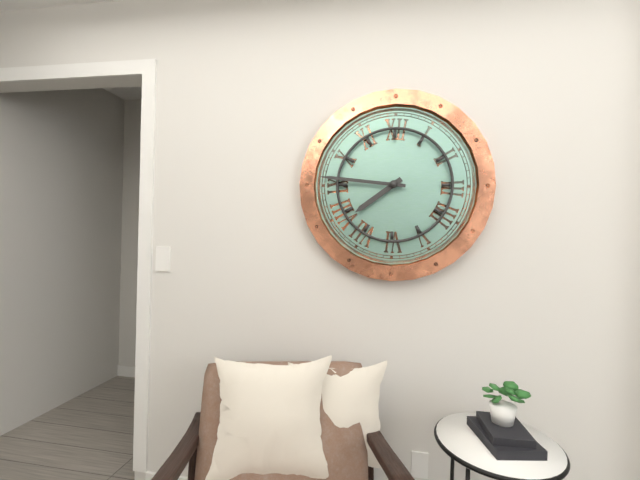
7:46
